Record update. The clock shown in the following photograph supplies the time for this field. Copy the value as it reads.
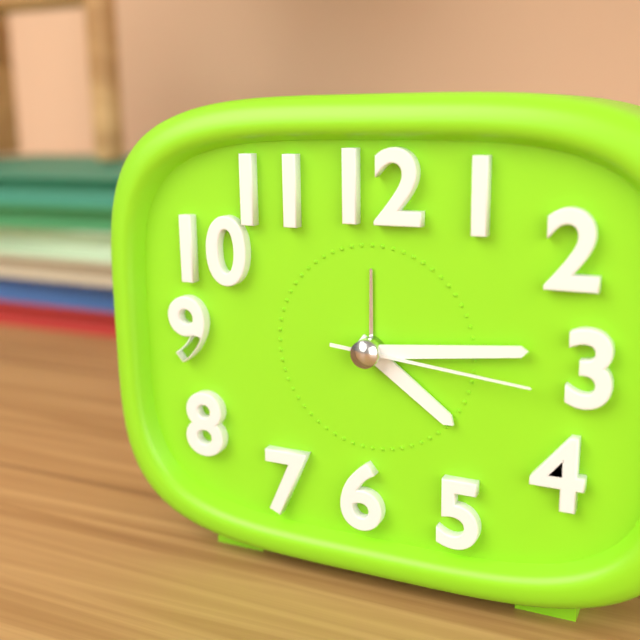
4:14:16
